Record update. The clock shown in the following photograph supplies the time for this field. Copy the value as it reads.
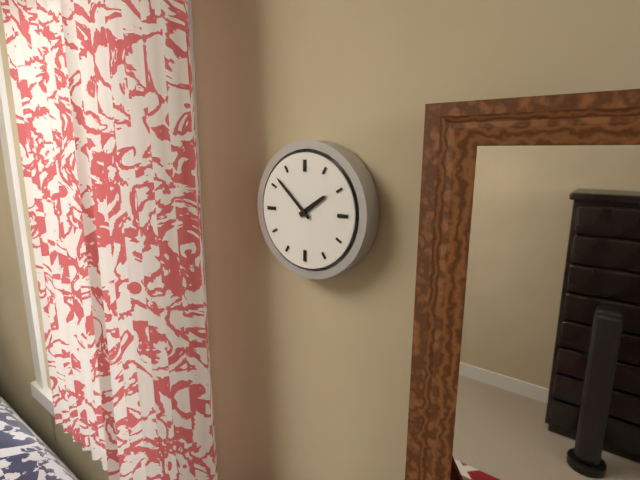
1:52
